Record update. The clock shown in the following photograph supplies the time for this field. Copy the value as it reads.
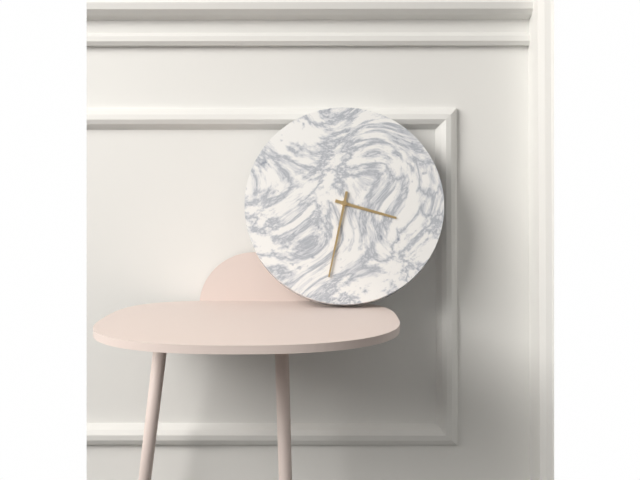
3:32
